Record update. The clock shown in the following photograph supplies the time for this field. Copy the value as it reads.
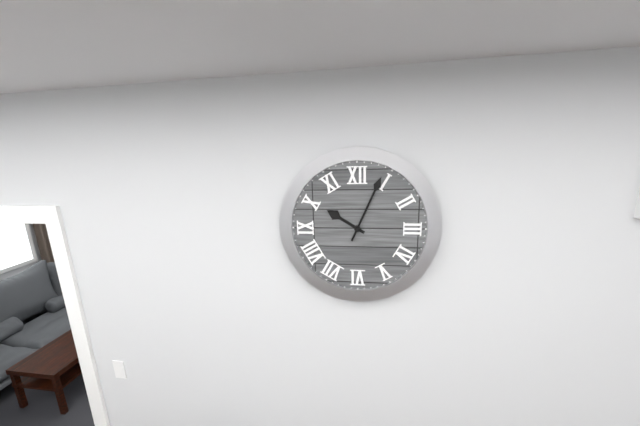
10:04
